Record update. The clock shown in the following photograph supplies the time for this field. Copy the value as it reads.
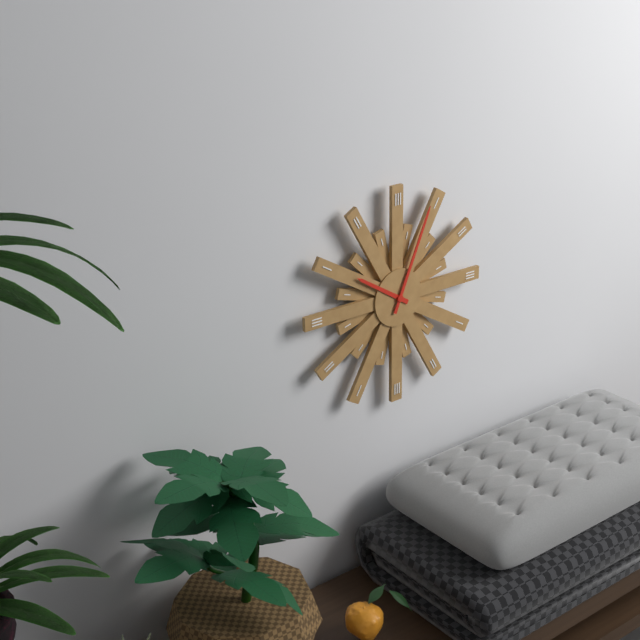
10:04
